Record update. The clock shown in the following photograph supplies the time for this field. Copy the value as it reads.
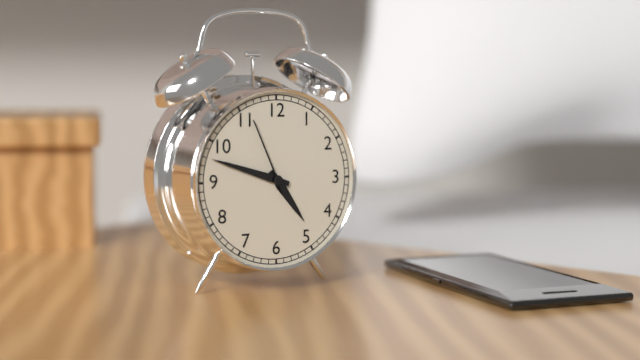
4:48:56
